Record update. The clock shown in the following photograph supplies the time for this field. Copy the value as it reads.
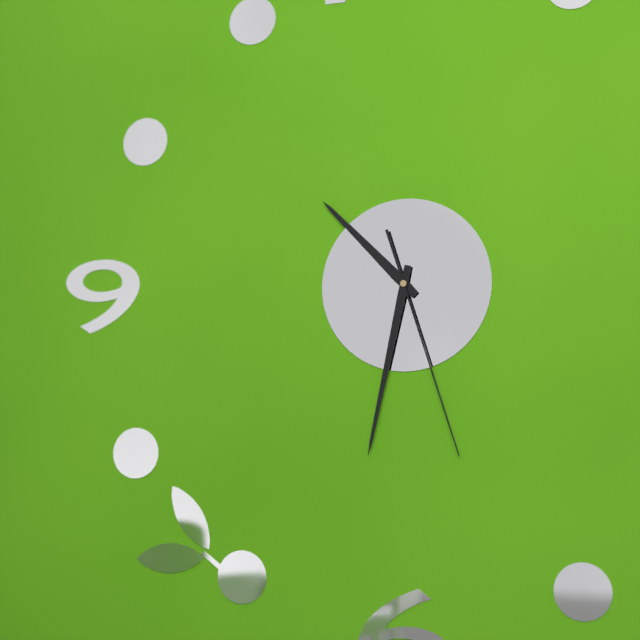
10:32:27
